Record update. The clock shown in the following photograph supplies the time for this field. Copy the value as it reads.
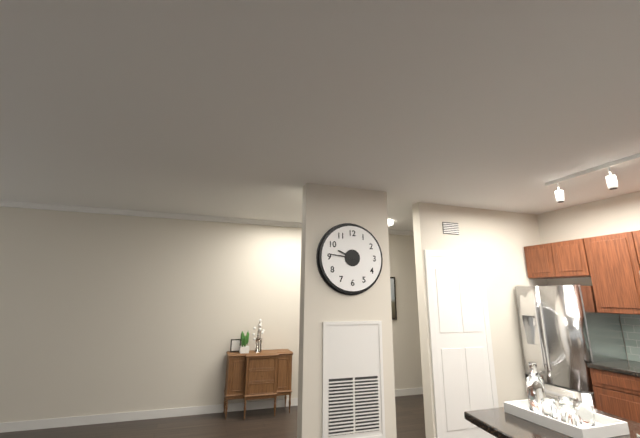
9:46
